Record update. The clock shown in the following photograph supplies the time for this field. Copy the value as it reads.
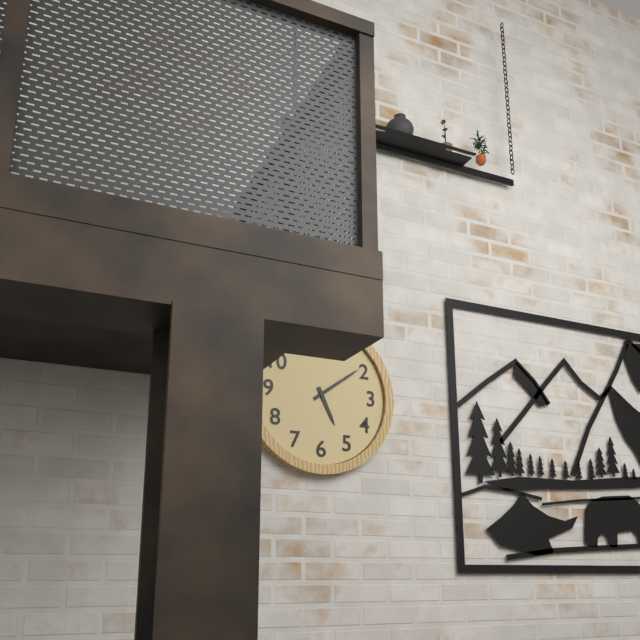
5:09
